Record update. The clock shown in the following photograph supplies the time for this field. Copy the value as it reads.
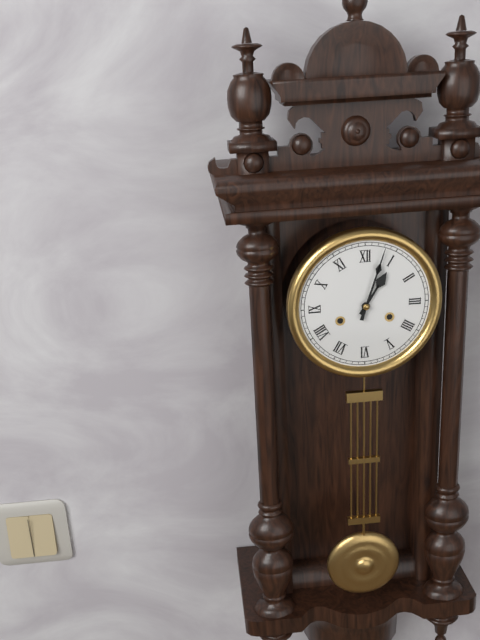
1:03
